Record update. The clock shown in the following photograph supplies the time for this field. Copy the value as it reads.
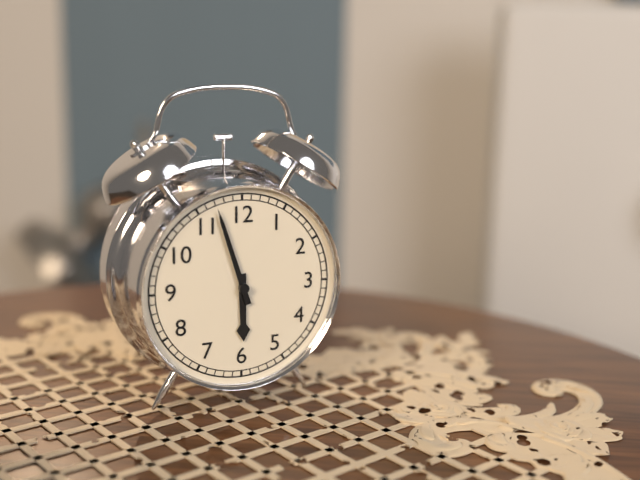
5:57
